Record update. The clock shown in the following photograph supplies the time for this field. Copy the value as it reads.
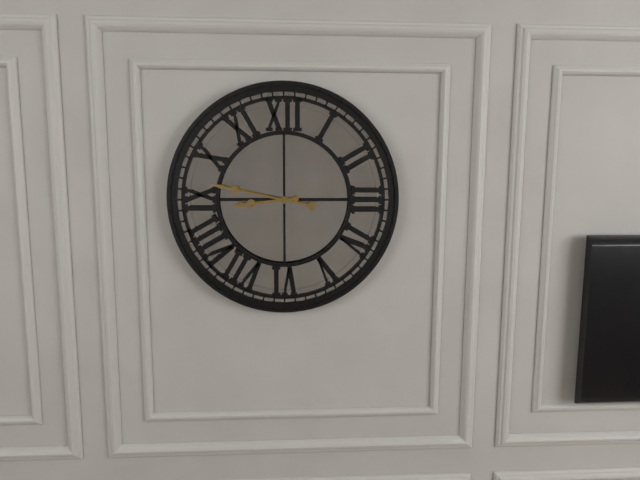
8:47
